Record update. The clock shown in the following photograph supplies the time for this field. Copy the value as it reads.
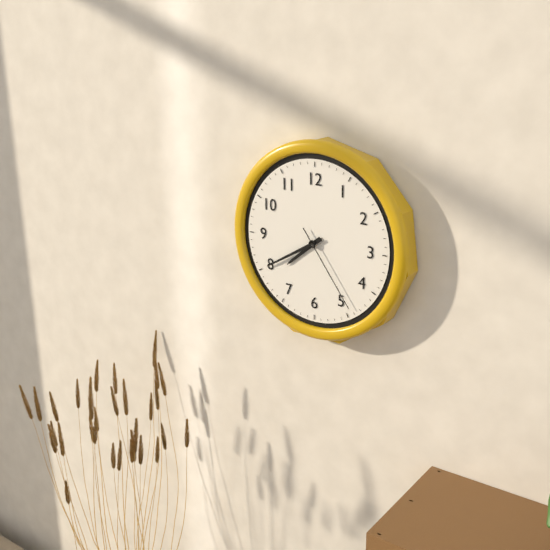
7:40:24
